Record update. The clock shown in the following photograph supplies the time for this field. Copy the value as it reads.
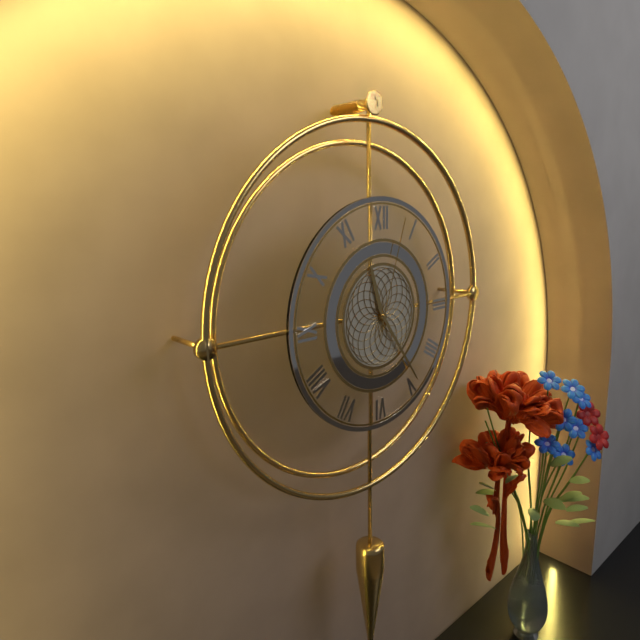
11:24:03
